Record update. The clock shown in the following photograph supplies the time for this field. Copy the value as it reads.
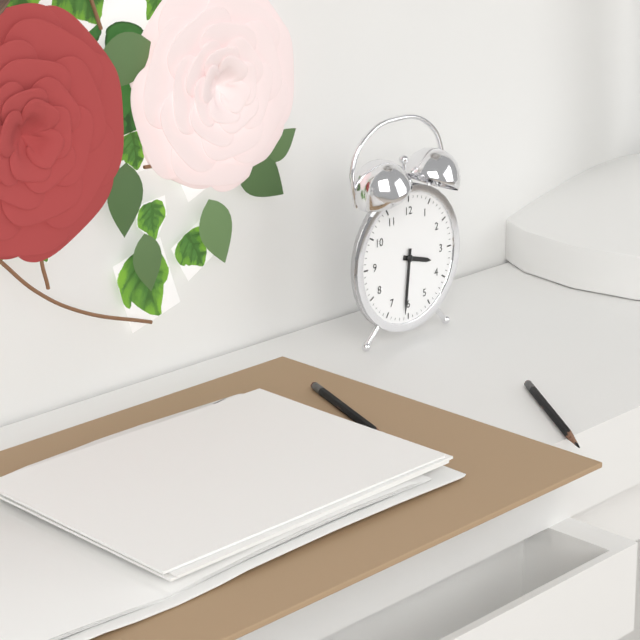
3:31
